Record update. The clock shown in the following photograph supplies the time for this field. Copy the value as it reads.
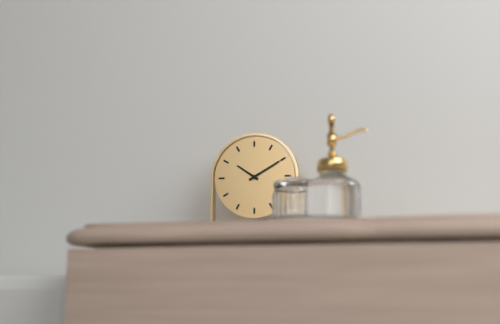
10:10
